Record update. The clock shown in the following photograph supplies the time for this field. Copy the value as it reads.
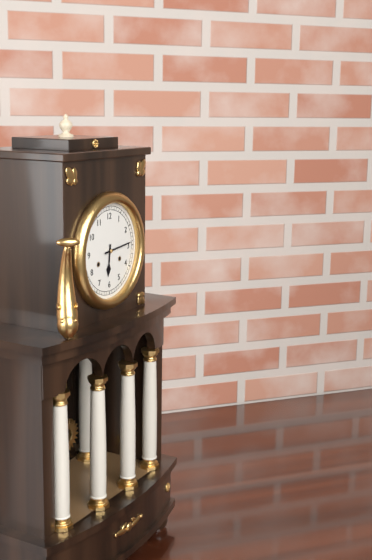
6:14
